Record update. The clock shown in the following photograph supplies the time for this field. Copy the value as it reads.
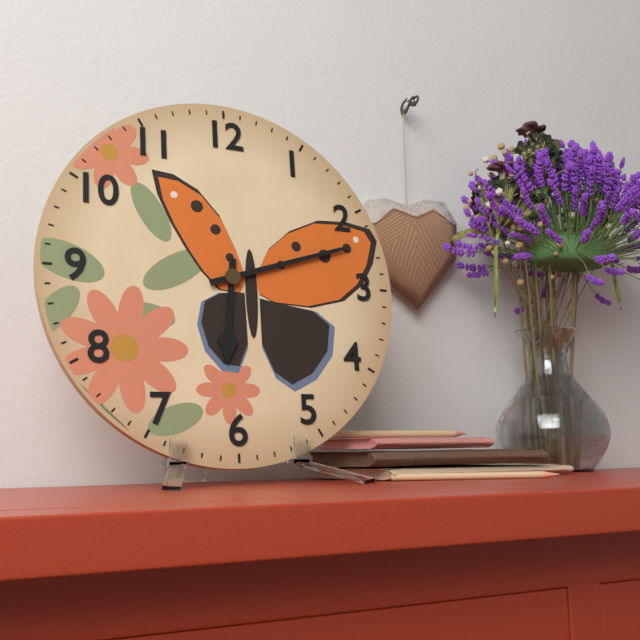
6:12
